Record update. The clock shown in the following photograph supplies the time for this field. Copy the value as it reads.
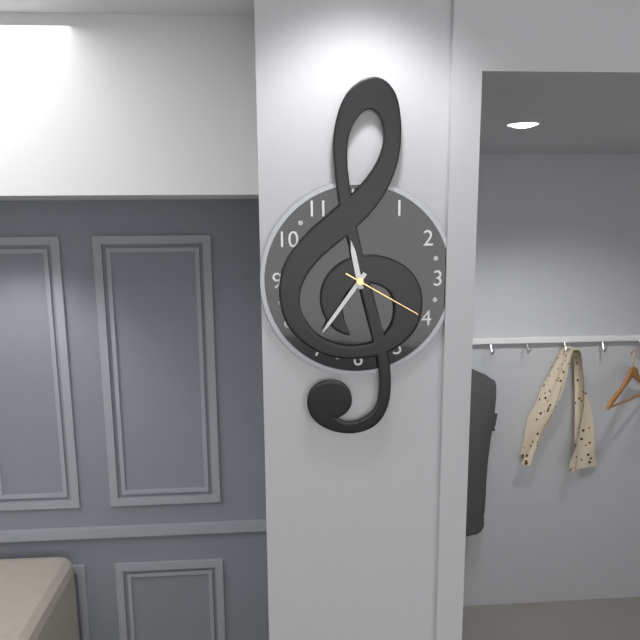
11:36:20
